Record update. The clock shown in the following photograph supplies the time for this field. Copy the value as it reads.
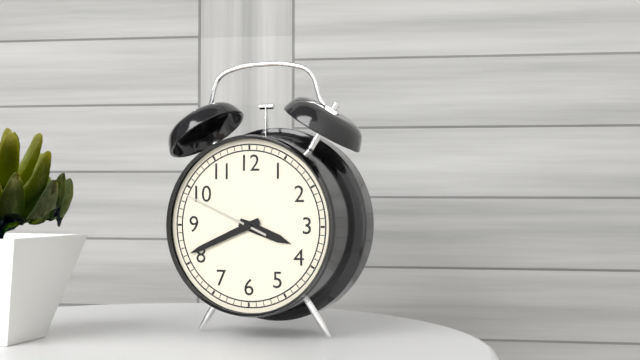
3:41:49
